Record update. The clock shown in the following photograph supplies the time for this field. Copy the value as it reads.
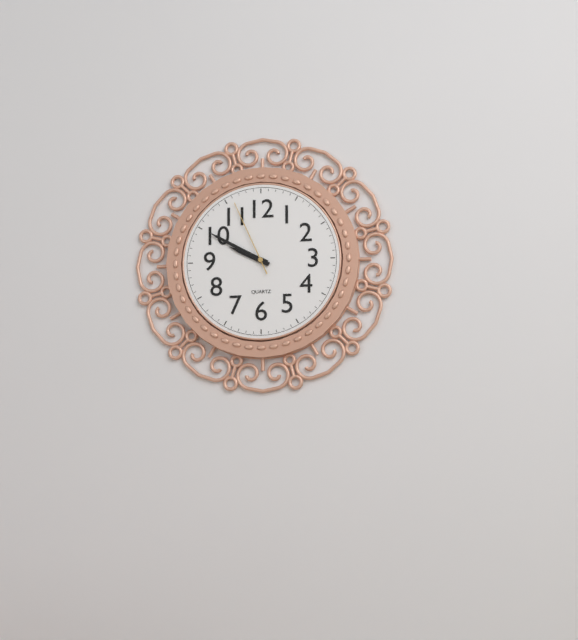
9:50:56
